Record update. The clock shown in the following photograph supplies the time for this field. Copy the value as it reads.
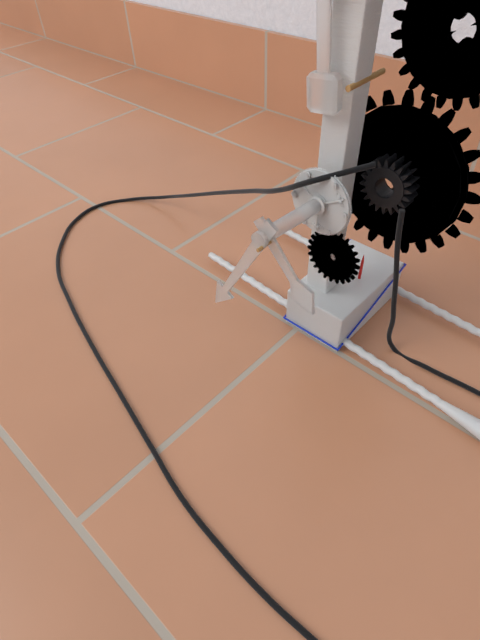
4:35
